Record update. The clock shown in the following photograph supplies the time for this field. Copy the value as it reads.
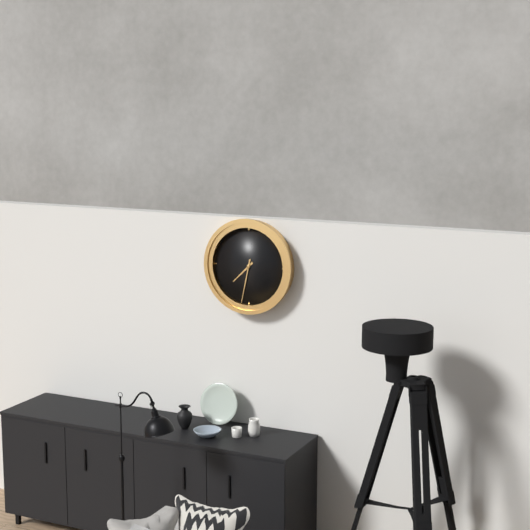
7:32
